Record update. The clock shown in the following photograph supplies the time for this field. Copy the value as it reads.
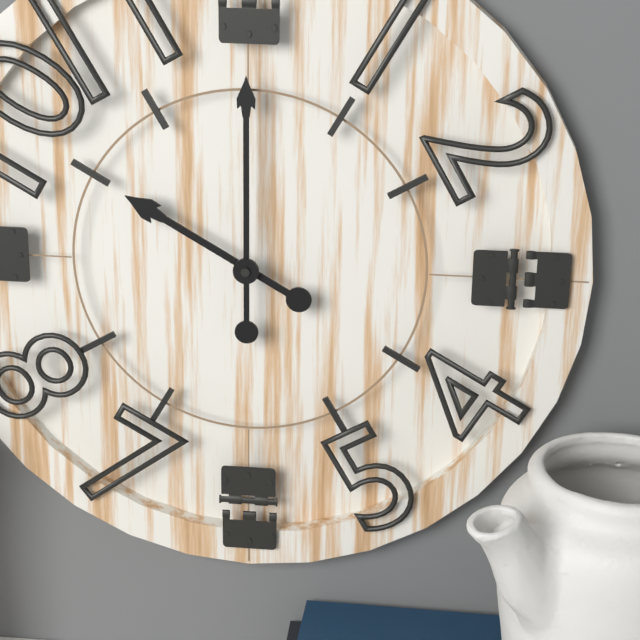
10:00
